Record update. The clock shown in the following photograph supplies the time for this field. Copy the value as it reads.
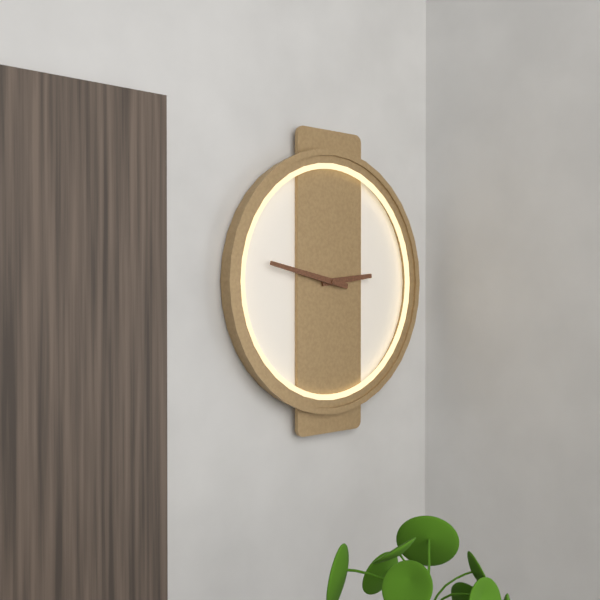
2:47
